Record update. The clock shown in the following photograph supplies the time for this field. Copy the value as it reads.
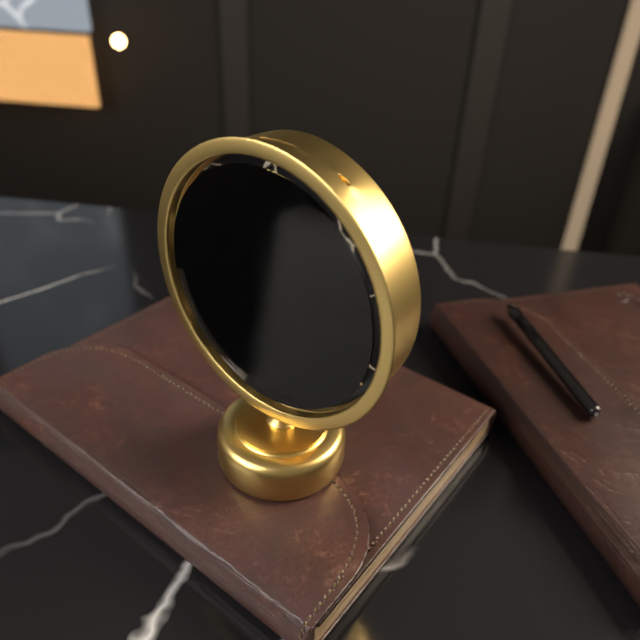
4:26:34
